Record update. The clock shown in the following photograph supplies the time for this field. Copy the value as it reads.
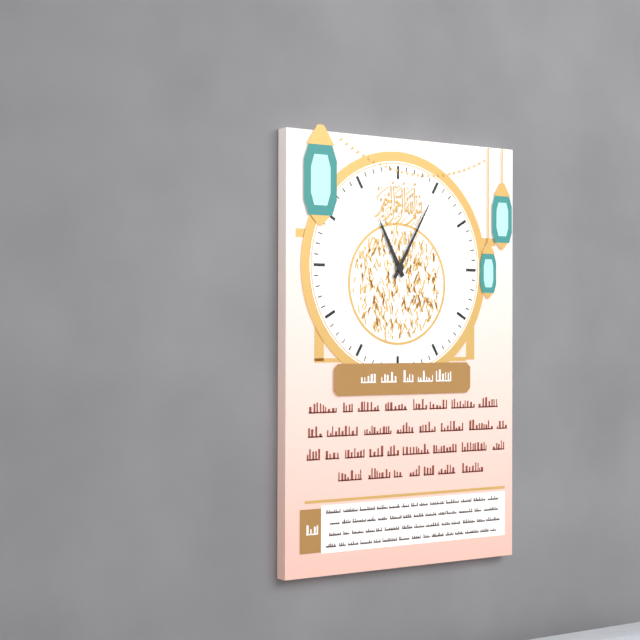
11:05
